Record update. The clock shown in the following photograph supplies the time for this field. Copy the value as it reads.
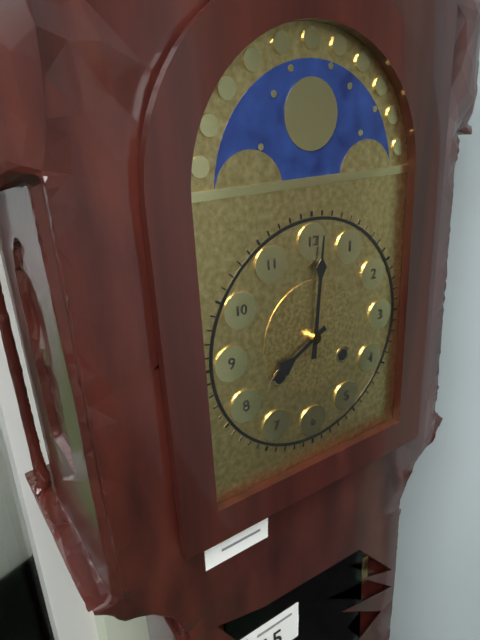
8:01
